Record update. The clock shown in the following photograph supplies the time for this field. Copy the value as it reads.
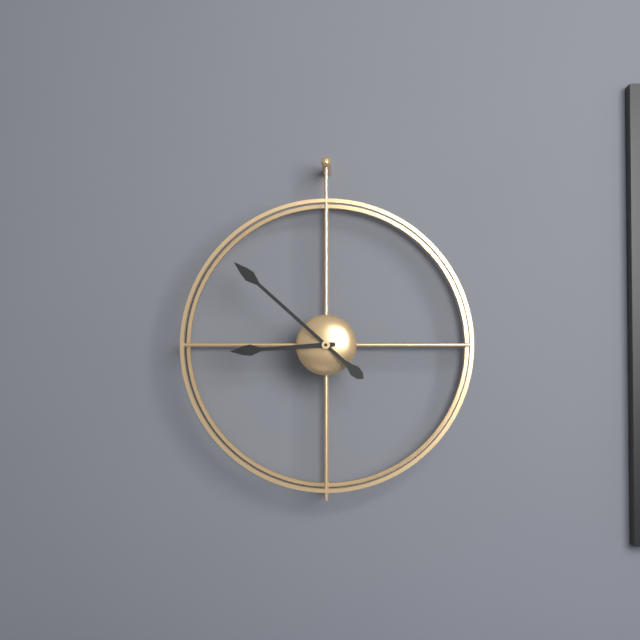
8:52
